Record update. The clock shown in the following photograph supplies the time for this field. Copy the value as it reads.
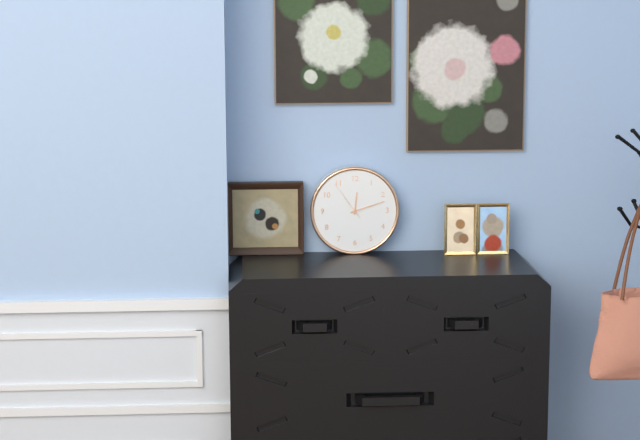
12:12
